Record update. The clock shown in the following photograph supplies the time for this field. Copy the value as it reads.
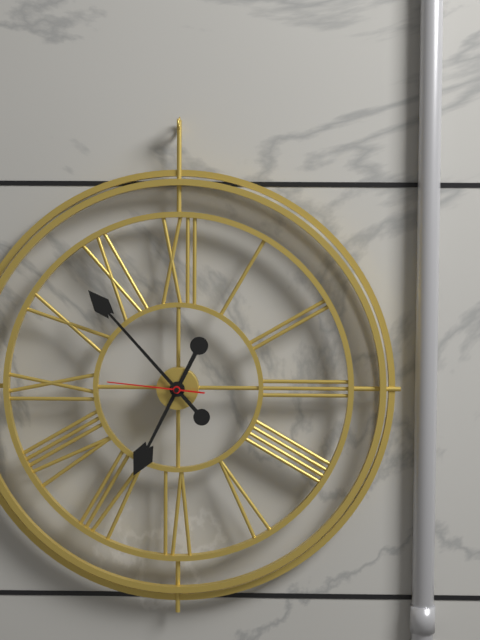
6:53:46
